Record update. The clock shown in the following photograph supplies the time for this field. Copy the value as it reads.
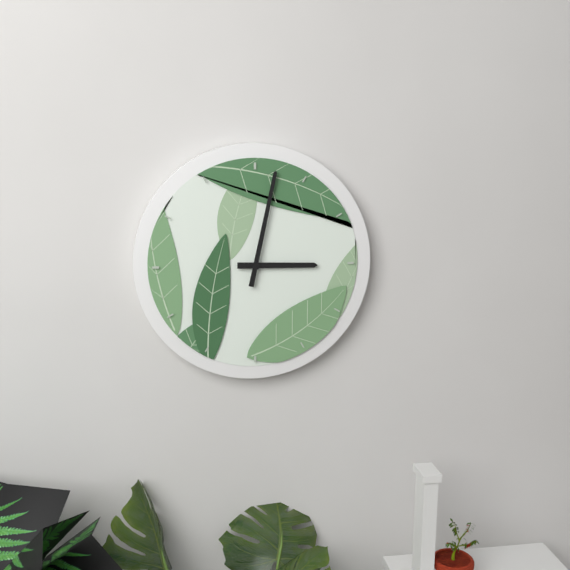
3:02
